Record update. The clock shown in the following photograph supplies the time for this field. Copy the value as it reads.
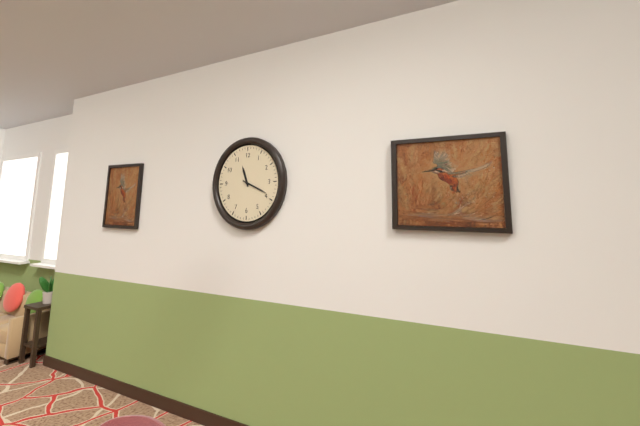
11:19
